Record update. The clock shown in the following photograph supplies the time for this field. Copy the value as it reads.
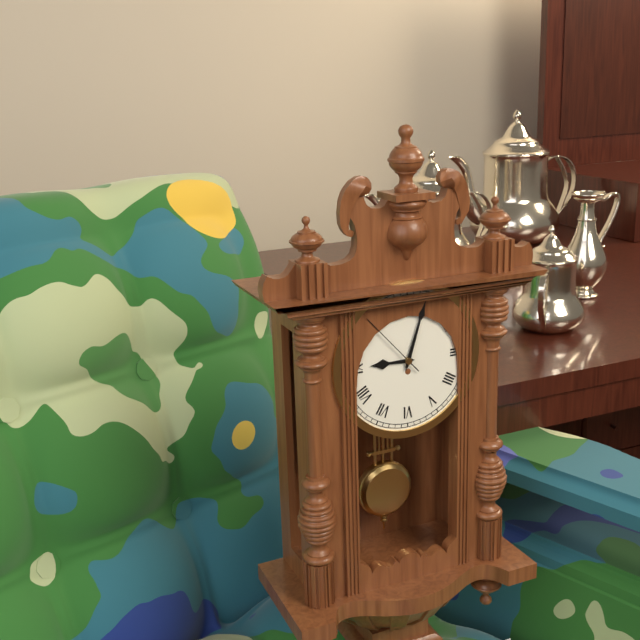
9:03:53
